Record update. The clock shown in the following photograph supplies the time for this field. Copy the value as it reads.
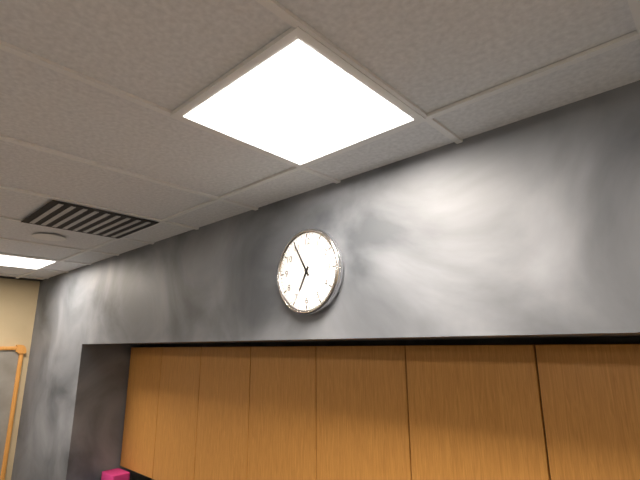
6:55
